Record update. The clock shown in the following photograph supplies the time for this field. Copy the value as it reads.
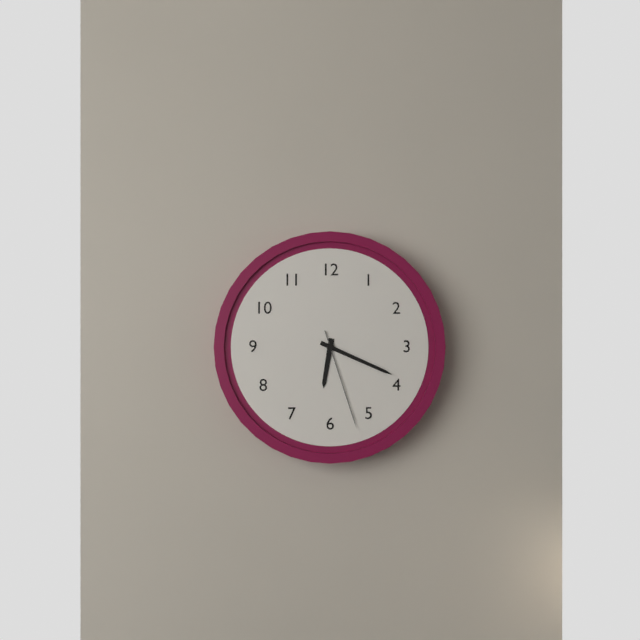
6:19:27
